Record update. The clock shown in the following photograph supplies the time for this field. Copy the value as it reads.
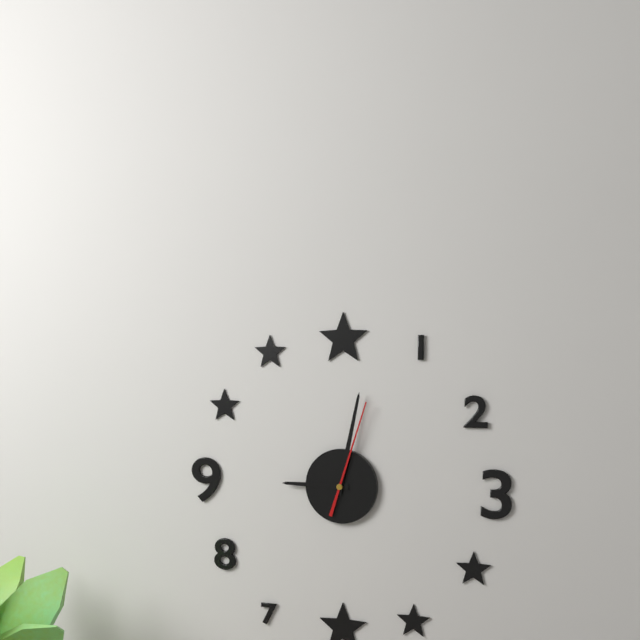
9:02:03
